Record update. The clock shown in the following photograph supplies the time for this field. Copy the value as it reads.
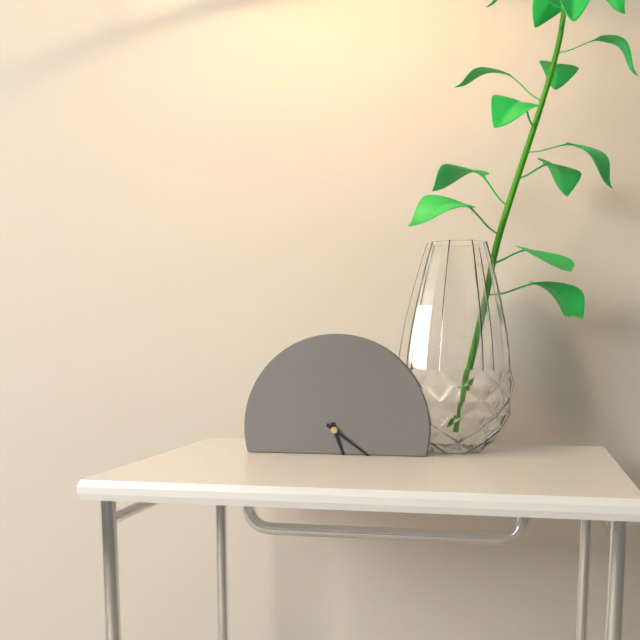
5:21
